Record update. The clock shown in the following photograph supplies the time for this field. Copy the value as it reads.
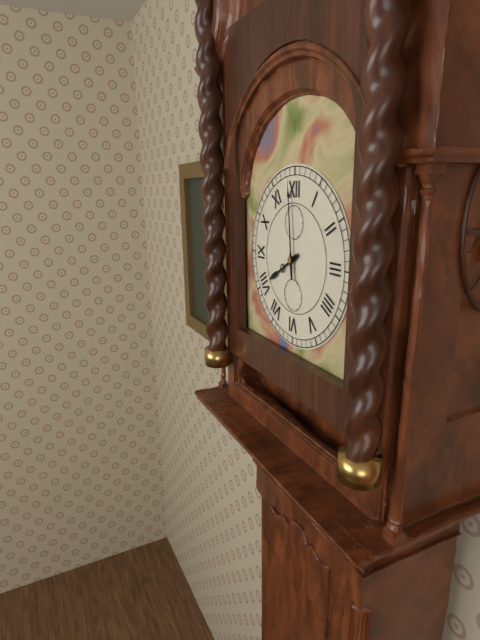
7:59
